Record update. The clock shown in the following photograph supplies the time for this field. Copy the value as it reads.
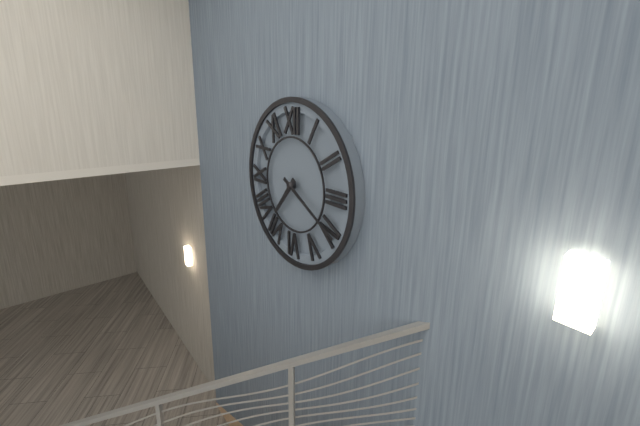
7:20
